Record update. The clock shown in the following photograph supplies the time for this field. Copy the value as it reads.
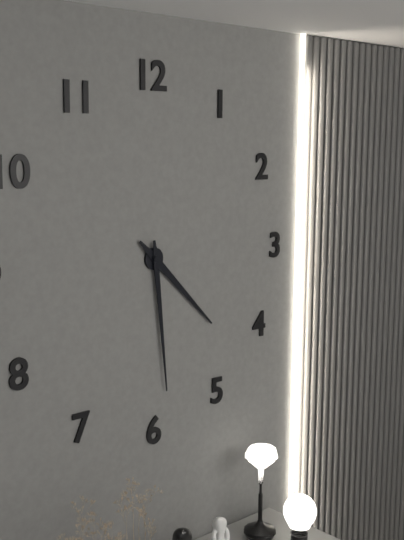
4:29
